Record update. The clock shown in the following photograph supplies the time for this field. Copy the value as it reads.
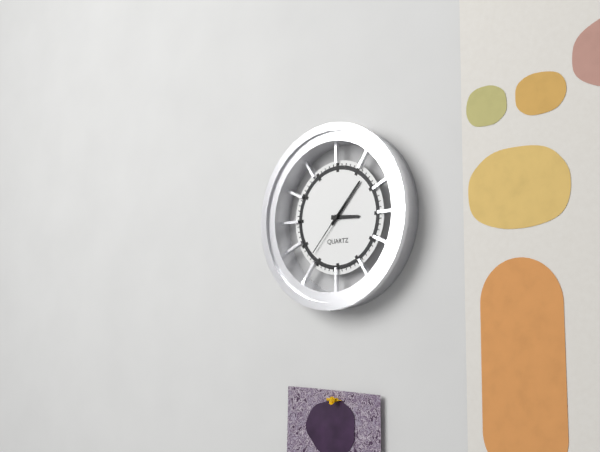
3:07:37
